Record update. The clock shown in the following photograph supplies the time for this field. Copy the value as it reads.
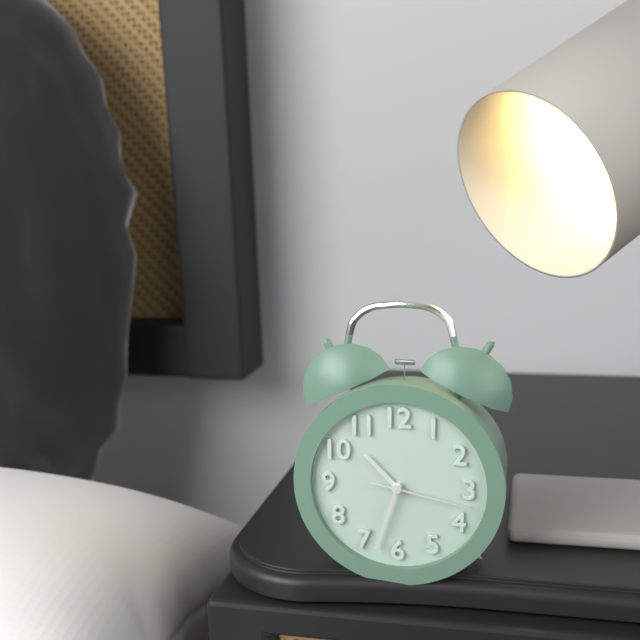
10:33:17
